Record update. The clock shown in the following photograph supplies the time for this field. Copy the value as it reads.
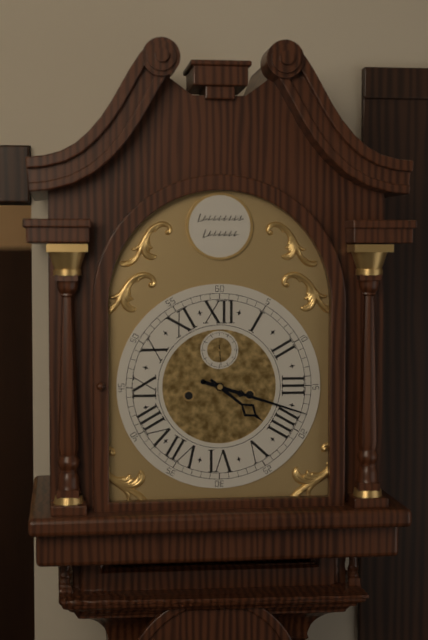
4:18
